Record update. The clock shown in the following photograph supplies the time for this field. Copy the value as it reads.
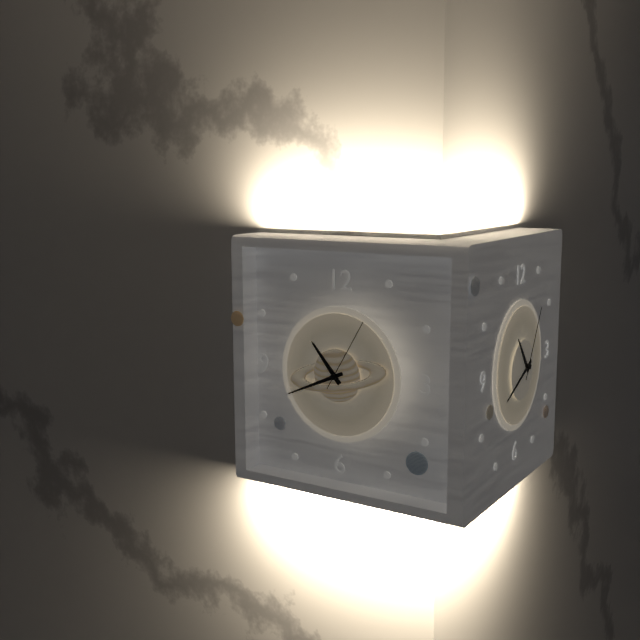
10:41:05
